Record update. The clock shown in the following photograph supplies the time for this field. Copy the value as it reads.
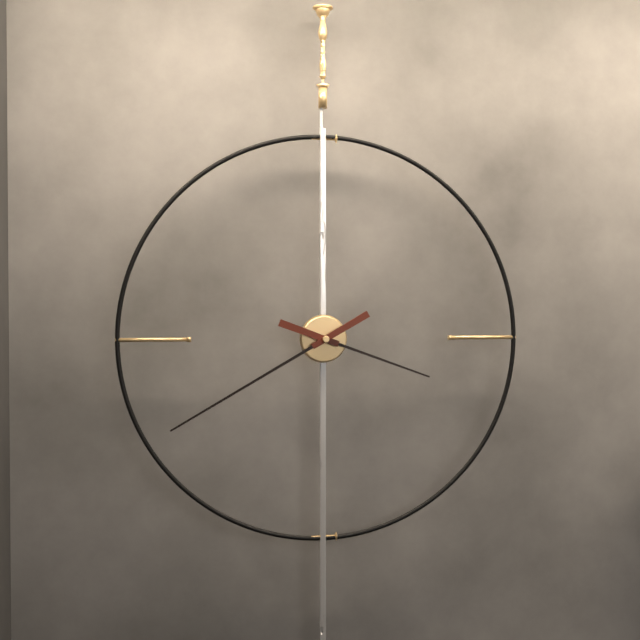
3:40
